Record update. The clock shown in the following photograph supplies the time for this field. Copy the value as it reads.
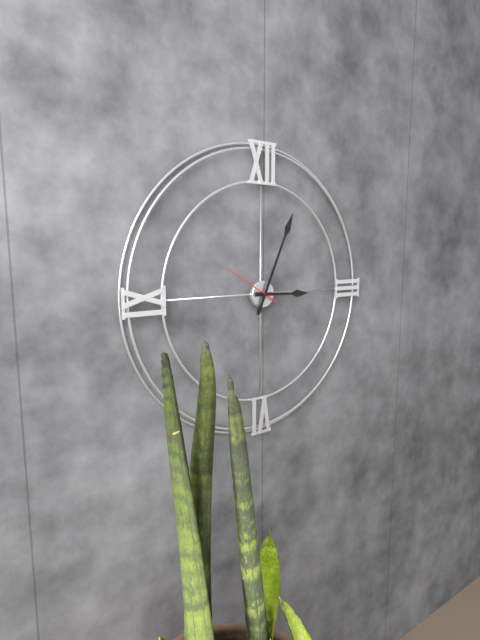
3:04
